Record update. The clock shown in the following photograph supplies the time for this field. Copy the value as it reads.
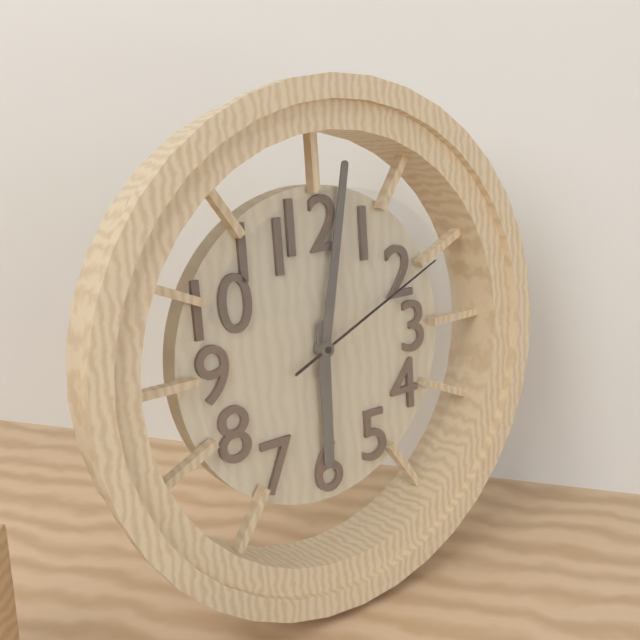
6:02:11
